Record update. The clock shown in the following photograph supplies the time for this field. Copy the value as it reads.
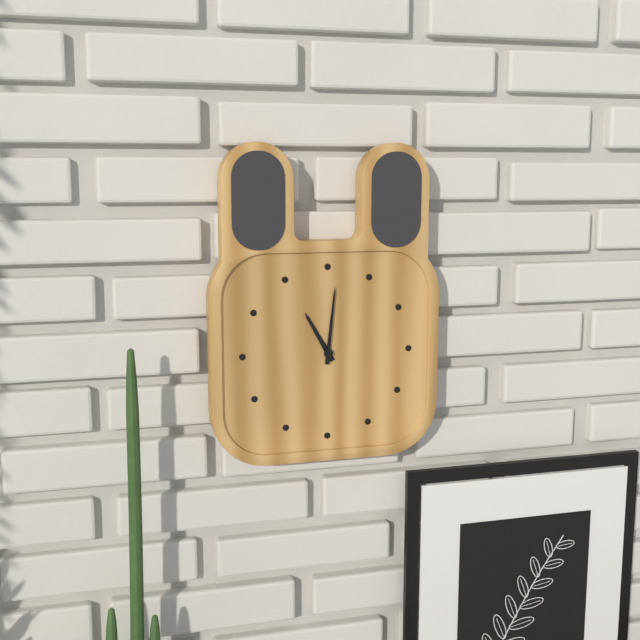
11:01
